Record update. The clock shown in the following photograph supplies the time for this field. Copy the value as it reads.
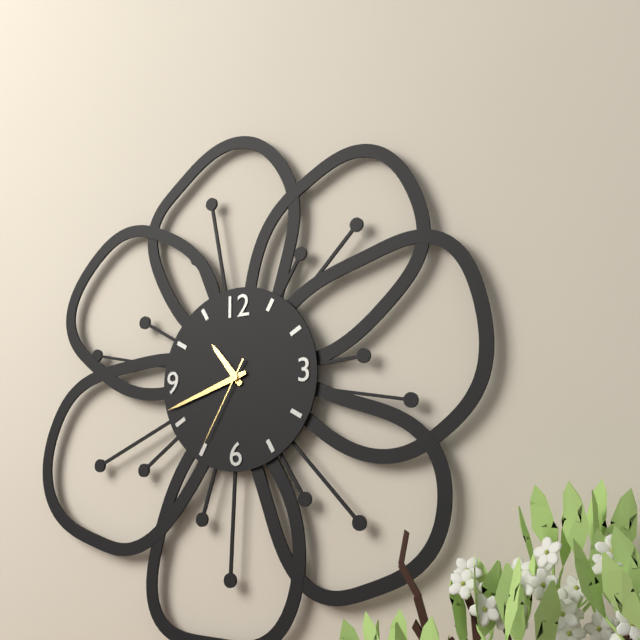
10:42:35
